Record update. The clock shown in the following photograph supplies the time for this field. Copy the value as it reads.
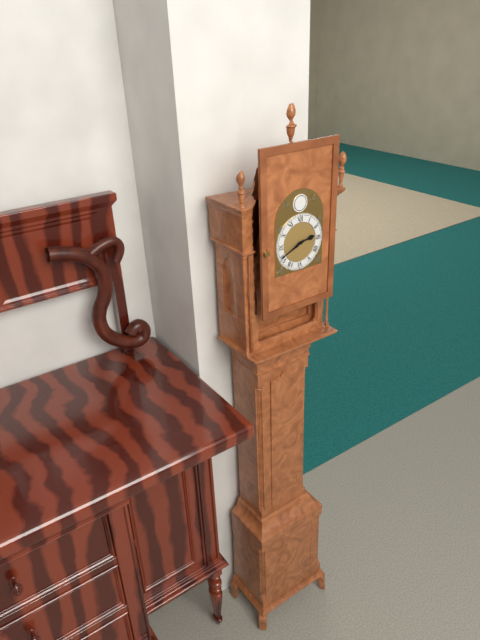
2:41
